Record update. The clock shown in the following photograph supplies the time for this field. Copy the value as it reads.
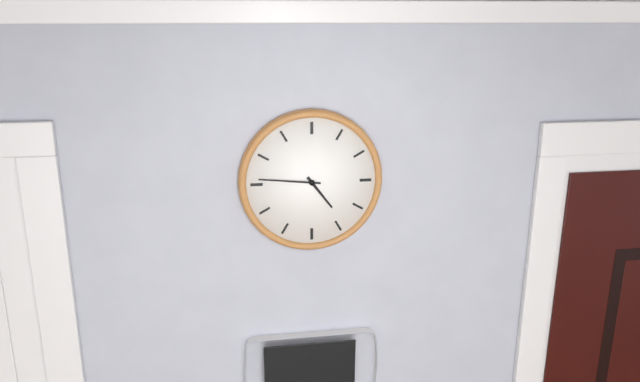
4:46
